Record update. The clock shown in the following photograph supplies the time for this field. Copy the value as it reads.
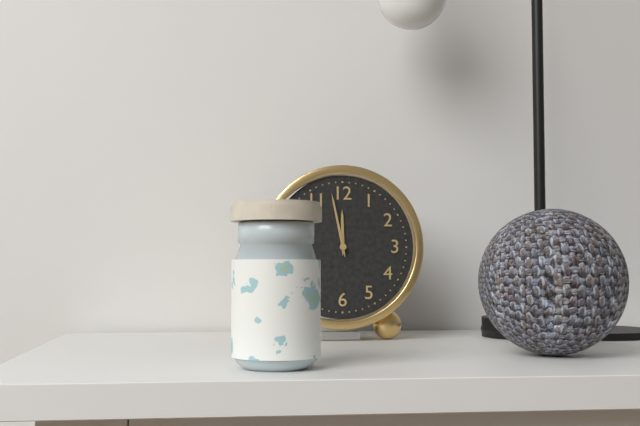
11:58
